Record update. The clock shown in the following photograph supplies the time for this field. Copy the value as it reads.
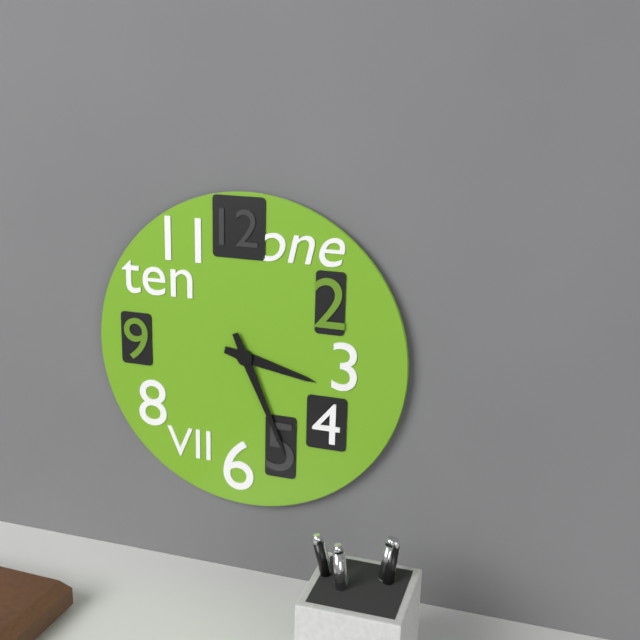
3:26
